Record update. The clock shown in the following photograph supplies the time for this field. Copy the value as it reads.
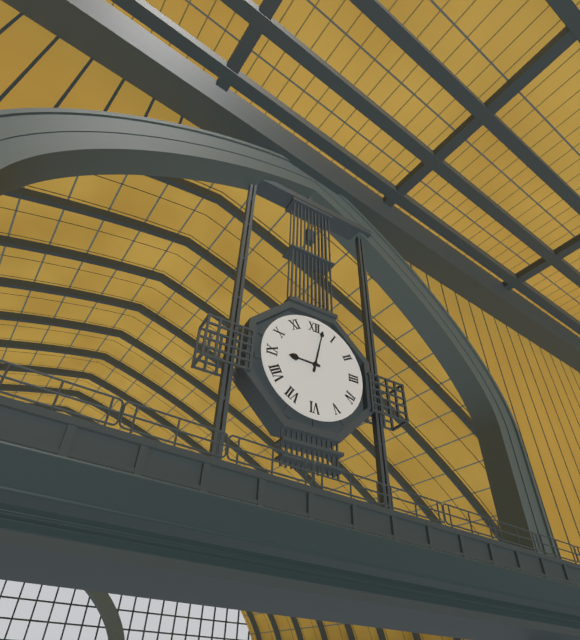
9:02
